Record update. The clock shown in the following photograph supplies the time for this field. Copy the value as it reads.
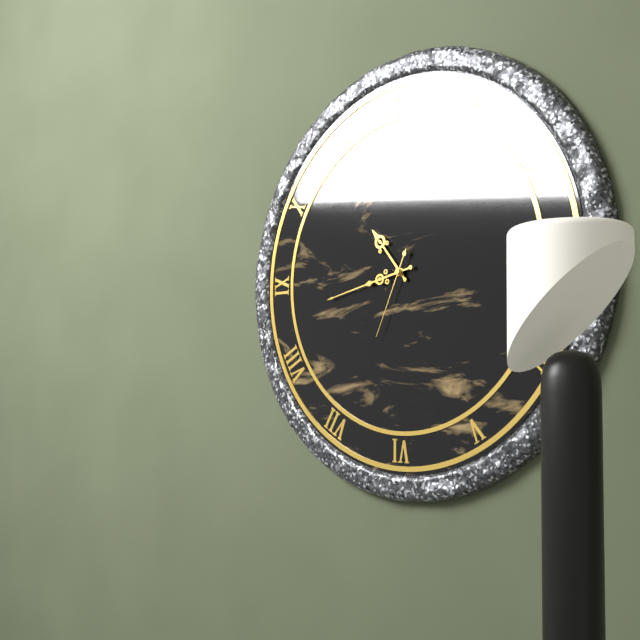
10:43:34
